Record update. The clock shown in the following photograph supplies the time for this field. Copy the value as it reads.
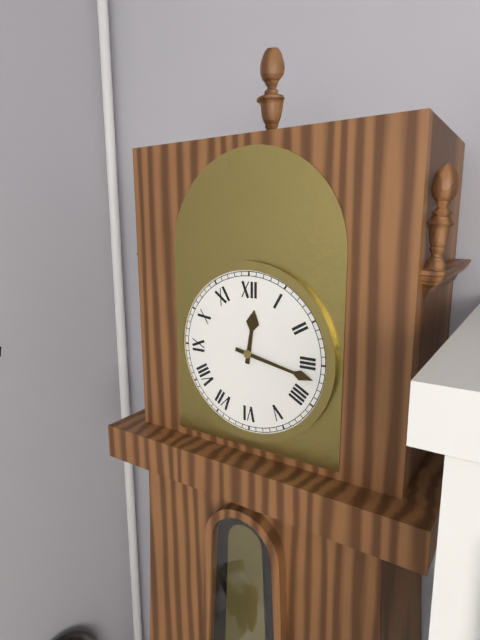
12:17
